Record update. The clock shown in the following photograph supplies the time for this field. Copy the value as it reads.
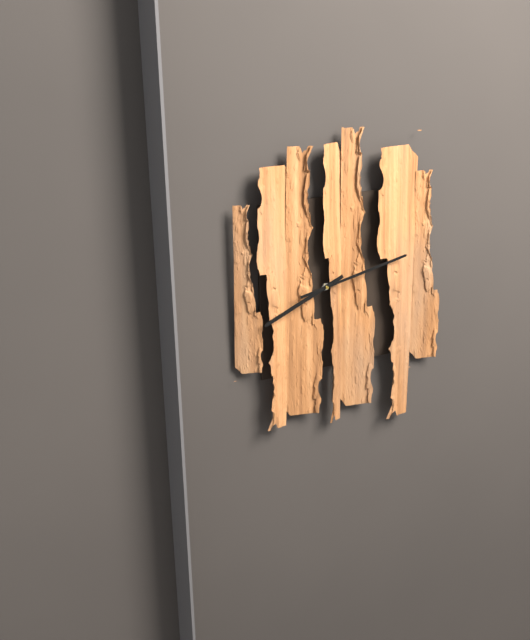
8:13
